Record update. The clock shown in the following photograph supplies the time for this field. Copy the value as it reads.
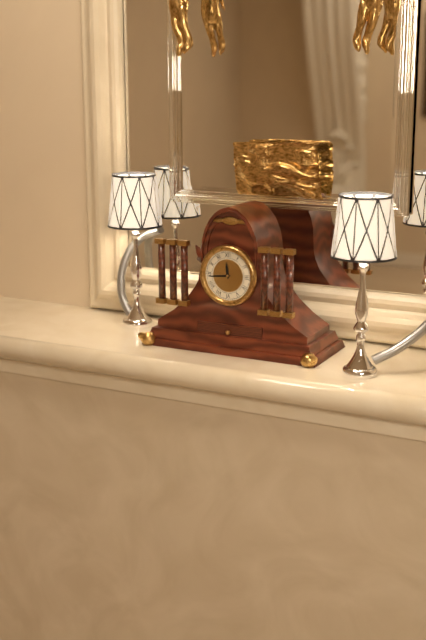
11:44
